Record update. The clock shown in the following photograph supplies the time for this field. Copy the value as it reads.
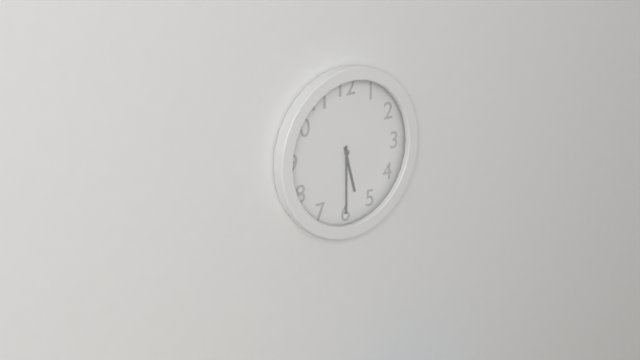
5:30
